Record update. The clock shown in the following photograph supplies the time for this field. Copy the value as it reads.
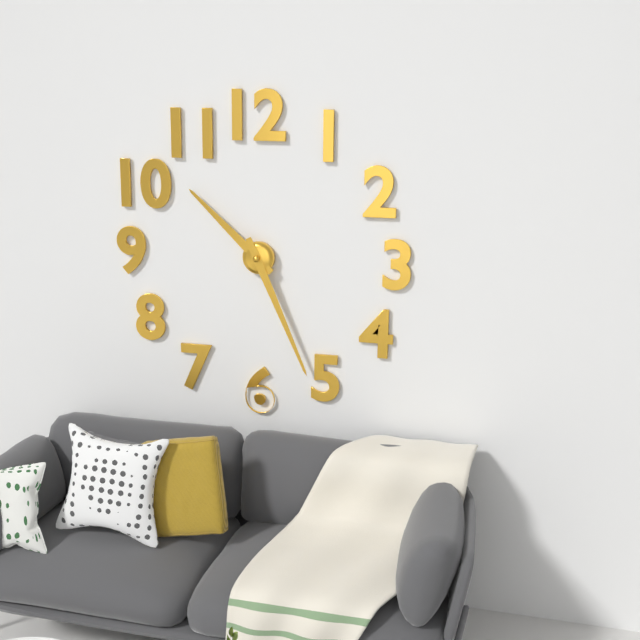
10:26
